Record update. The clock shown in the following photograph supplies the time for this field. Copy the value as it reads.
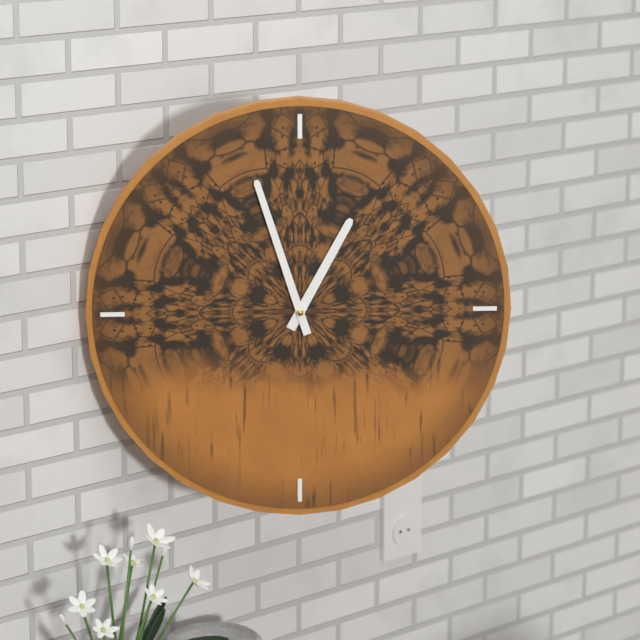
12:57
